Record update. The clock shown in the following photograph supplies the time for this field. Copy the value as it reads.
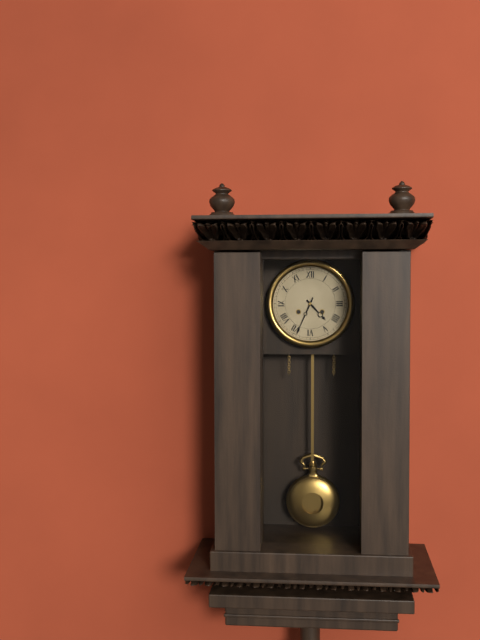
4:34
